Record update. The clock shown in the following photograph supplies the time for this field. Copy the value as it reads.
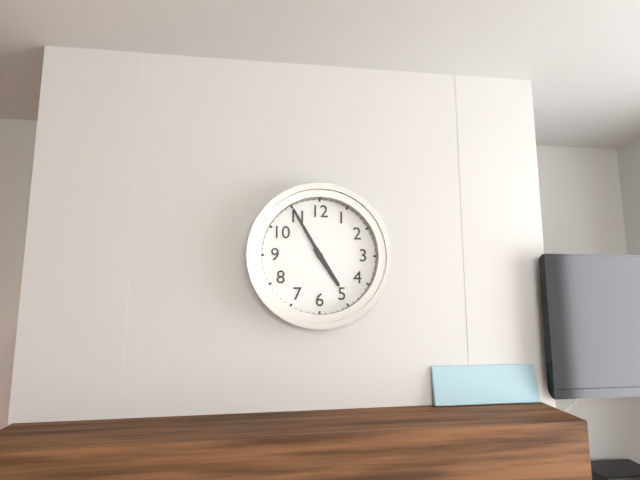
4:55
